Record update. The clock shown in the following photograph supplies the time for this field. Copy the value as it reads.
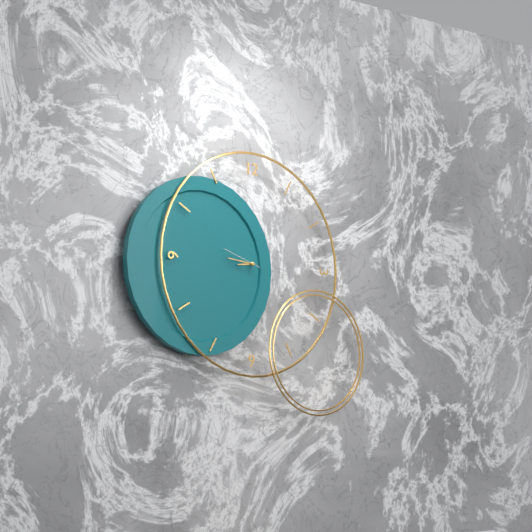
8:46
